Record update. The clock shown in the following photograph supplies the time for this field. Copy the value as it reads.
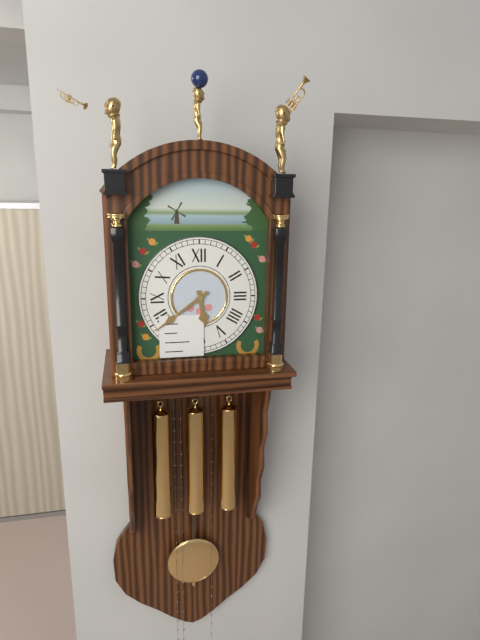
5:39
